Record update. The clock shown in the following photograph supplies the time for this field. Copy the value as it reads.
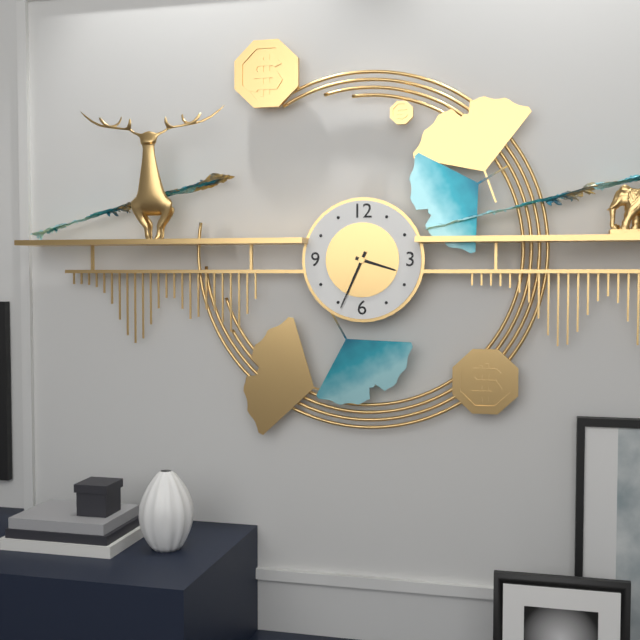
3:34
